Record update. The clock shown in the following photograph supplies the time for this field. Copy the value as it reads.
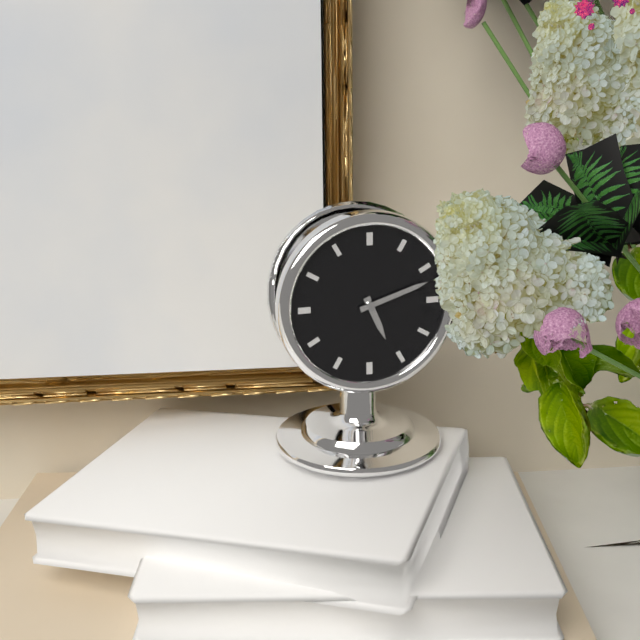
5:12
